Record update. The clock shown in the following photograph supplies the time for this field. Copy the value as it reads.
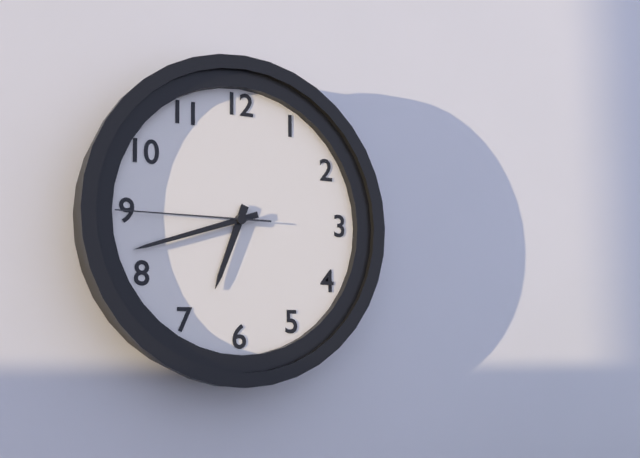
6:42:45
